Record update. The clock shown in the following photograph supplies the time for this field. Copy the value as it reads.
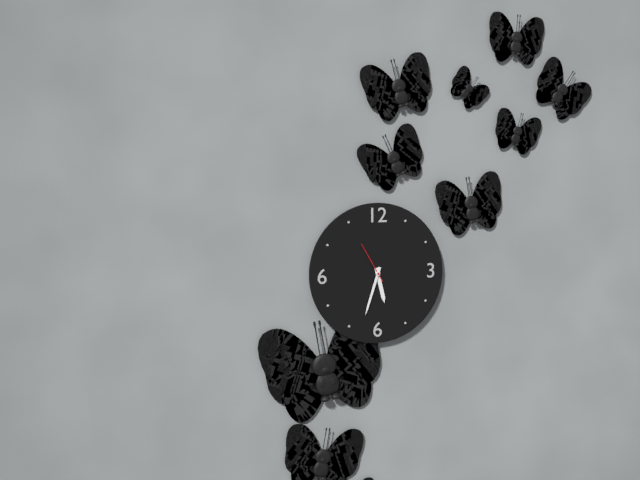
5:33
